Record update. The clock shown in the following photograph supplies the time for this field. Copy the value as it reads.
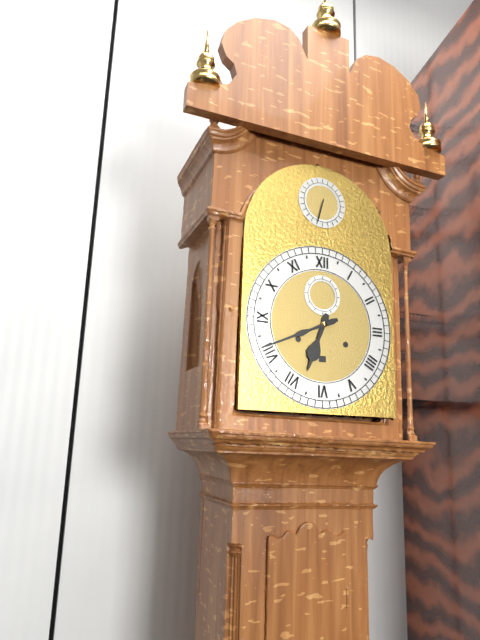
6:41
